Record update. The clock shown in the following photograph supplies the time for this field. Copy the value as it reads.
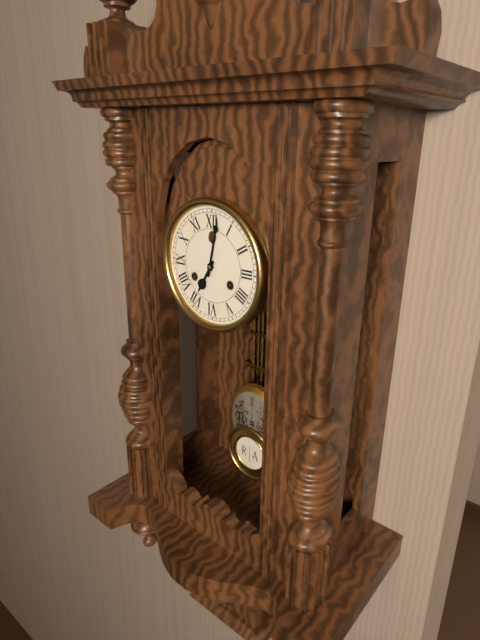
7:02
